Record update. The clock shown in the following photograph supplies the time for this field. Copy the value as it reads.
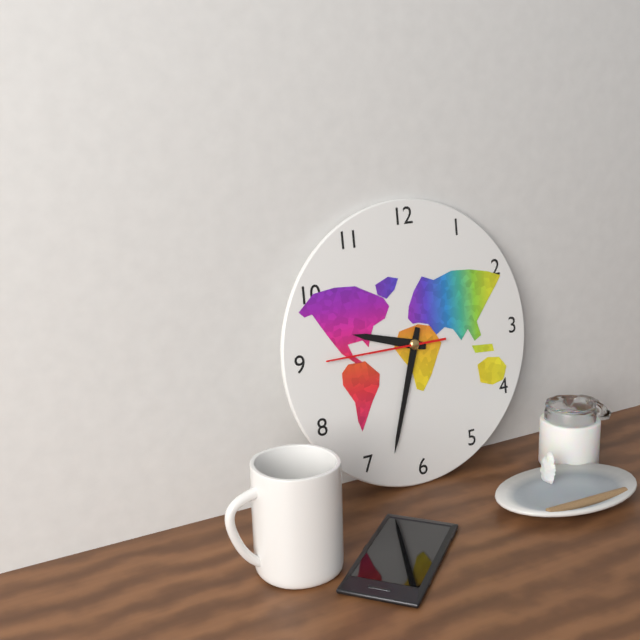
9:33:45
